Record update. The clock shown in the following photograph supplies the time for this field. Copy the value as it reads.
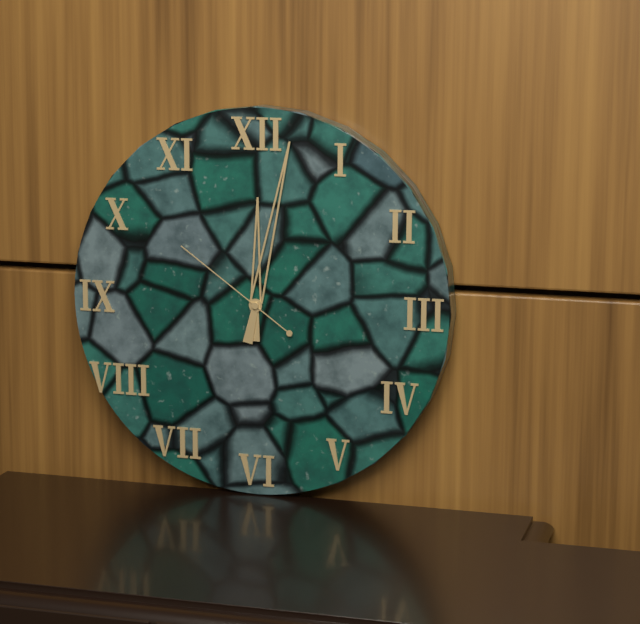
12:02:51
